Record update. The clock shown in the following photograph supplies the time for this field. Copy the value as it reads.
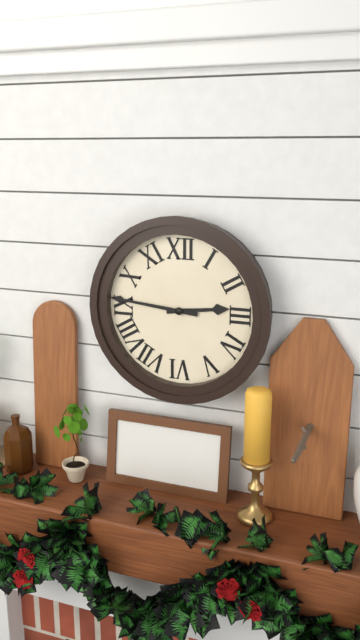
2:46
